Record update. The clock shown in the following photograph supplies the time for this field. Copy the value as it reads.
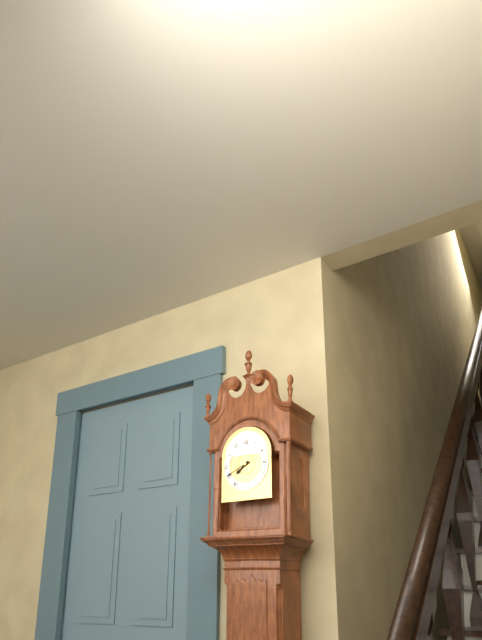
7:41
